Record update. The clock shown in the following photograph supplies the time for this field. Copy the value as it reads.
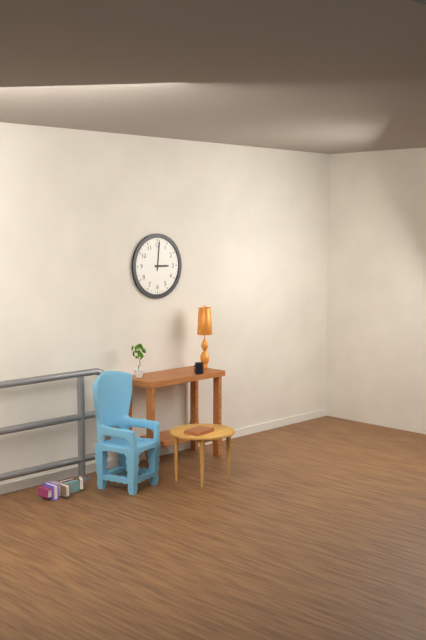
3:01
